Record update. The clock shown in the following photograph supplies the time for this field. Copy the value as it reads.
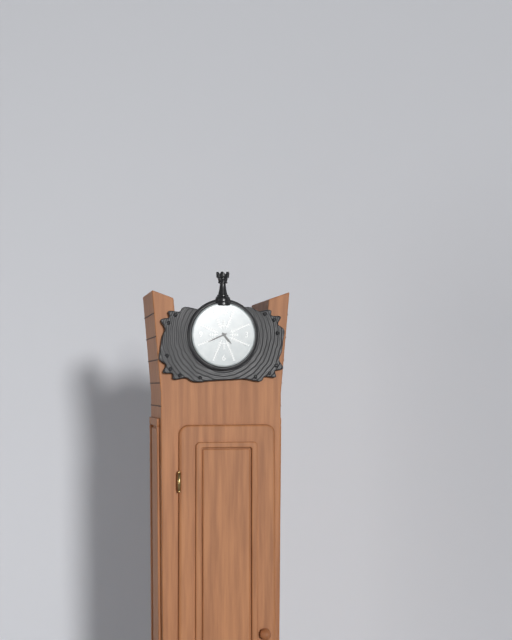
4:41
